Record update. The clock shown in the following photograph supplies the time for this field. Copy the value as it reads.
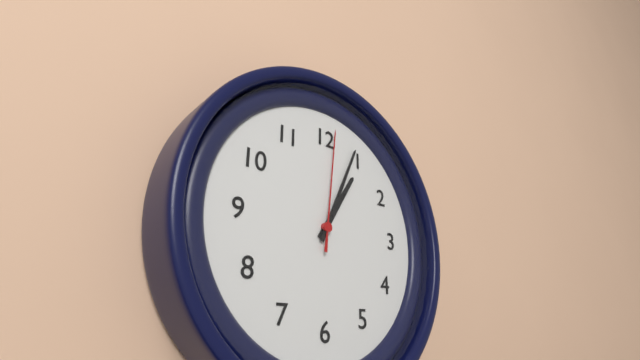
1:04:01
